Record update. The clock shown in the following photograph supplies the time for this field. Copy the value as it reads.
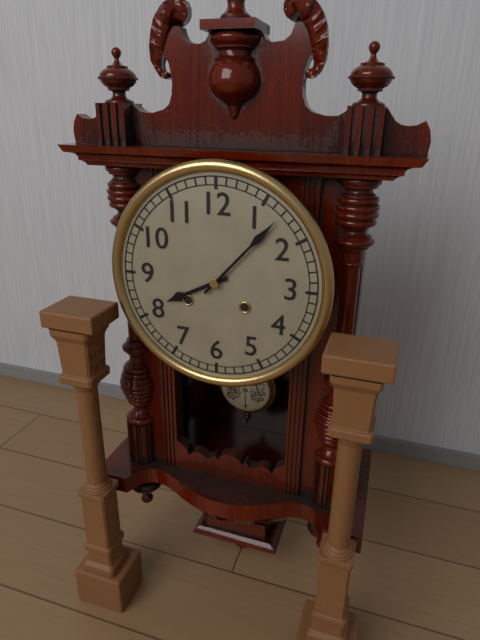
8:07
